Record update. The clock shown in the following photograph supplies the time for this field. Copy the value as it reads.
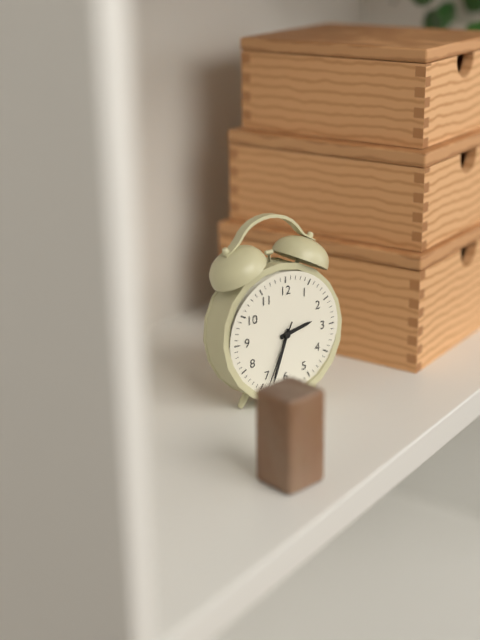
2:33:34
